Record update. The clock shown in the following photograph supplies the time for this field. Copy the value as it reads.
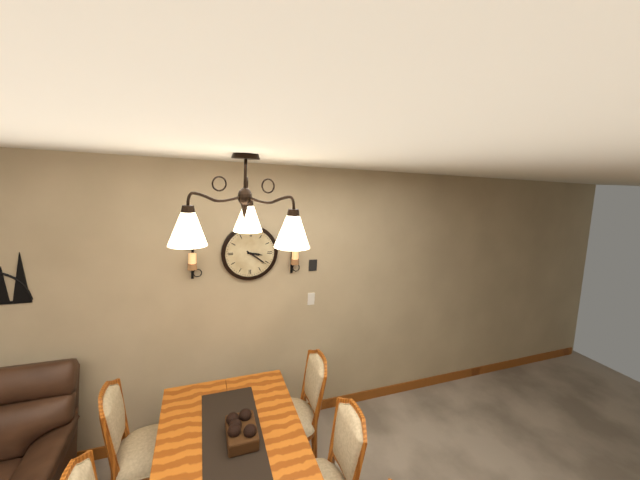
3:21
